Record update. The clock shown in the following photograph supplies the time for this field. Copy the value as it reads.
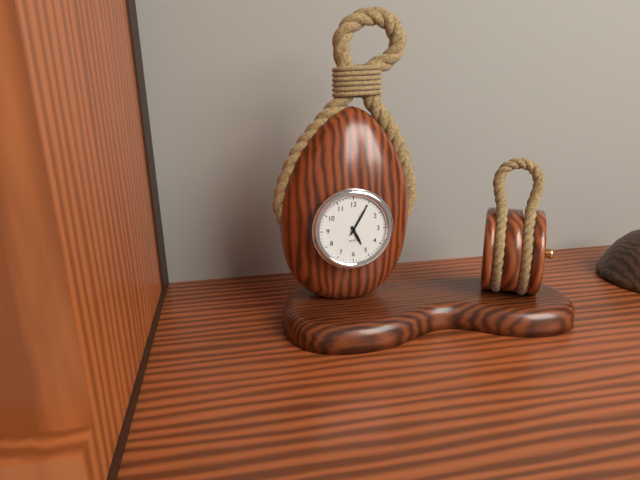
5:05
